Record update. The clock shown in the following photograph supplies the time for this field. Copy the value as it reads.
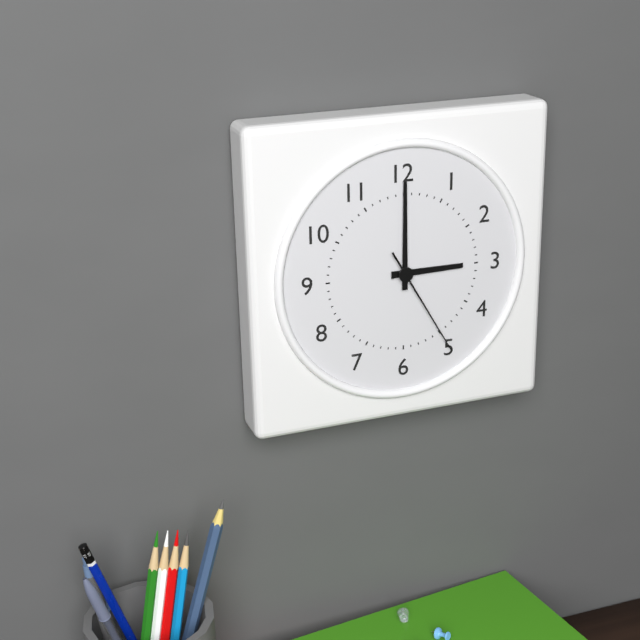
3:00:25
